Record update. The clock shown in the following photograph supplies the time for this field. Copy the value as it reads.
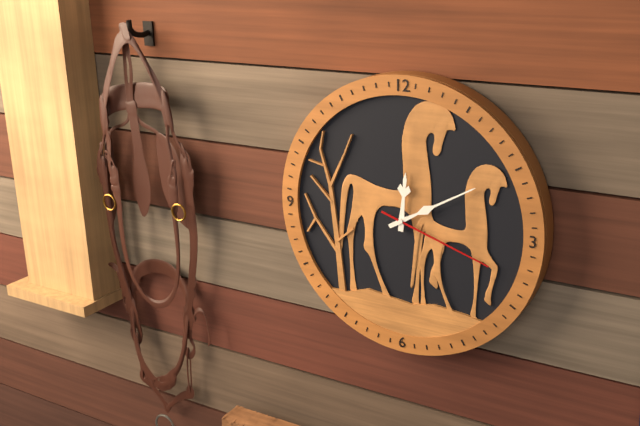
12:10:18
